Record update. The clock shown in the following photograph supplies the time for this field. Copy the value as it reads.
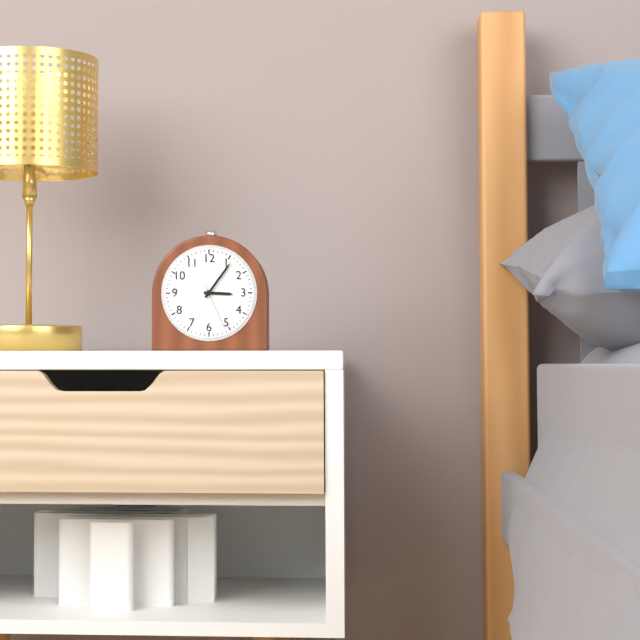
3:06:26
